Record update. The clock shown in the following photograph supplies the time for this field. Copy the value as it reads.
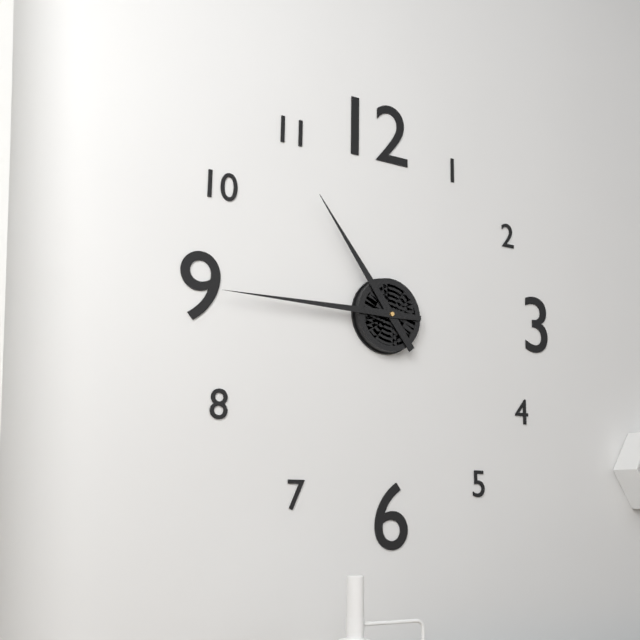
10:45
